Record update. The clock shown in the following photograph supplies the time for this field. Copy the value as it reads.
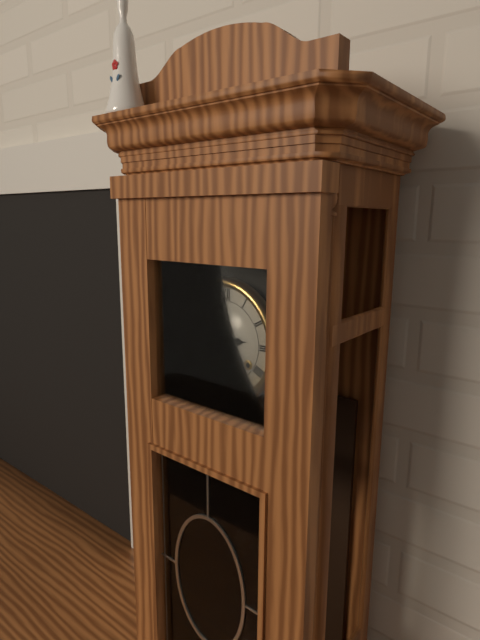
2:48
